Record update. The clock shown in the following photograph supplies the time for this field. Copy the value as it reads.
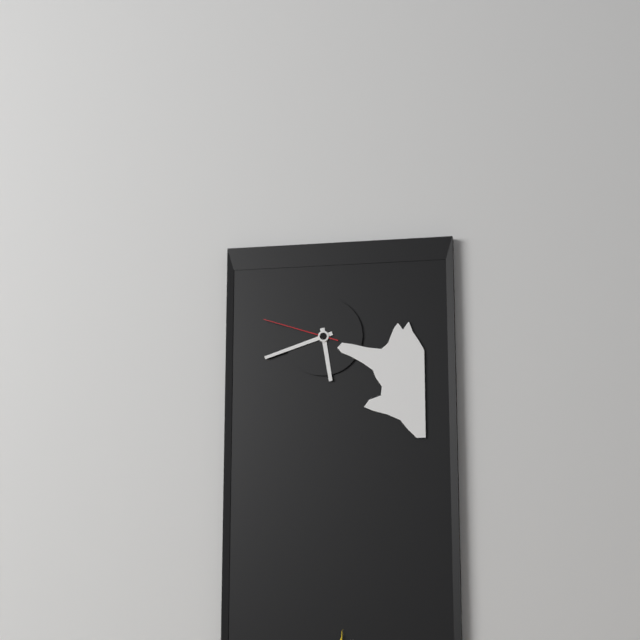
5:42:48
